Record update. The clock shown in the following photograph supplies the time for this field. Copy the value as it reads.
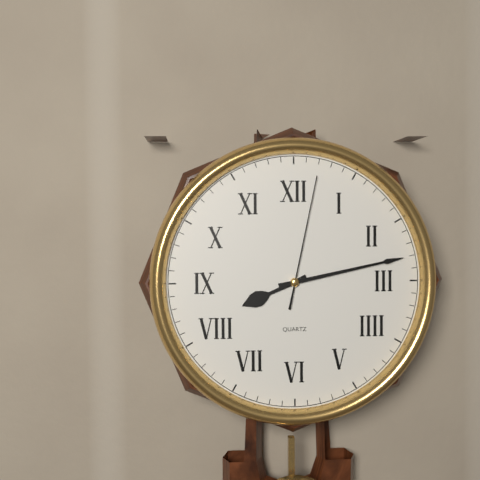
8:13:02
